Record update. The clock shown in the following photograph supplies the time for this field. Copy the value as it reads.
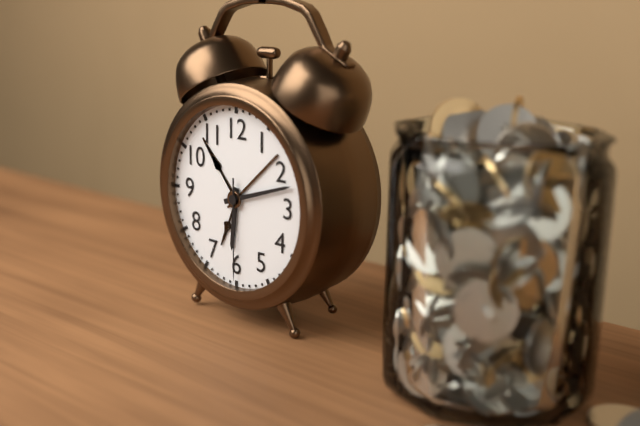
6:12:30
